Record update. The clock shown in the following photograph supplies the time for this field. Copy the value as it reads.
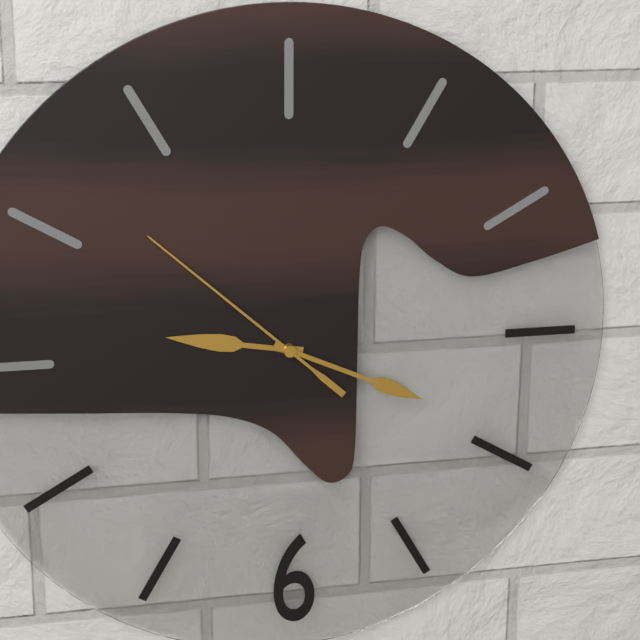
9:19:52
